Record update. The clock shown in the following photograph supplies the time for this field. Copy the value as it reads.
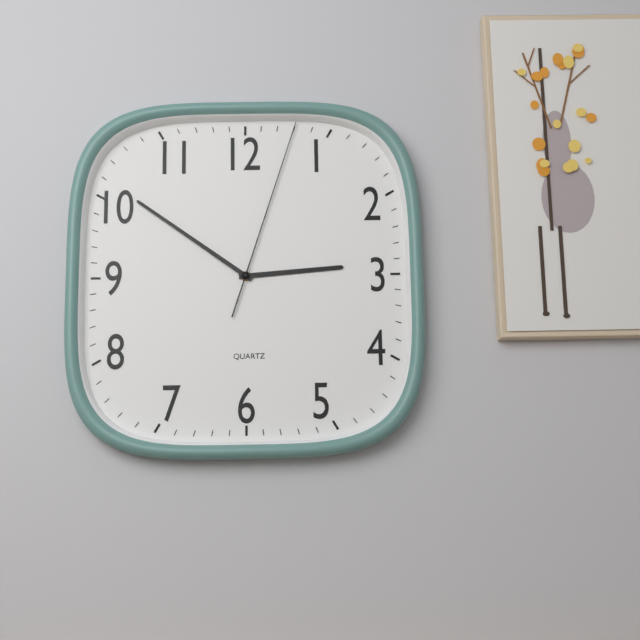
2:51:03
